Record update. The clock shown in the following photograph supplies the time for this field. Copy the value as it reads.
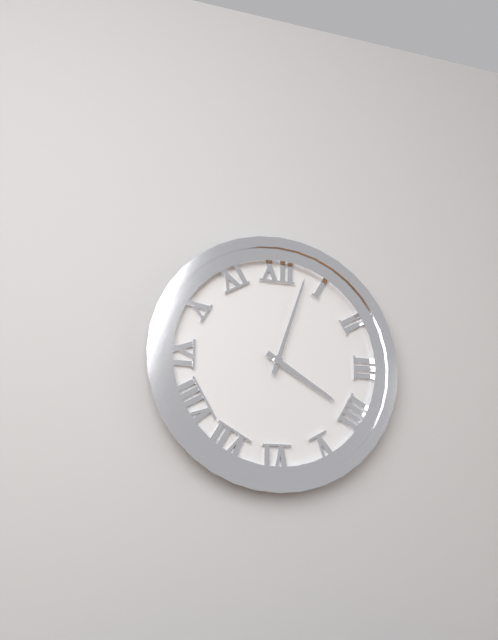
4:03
